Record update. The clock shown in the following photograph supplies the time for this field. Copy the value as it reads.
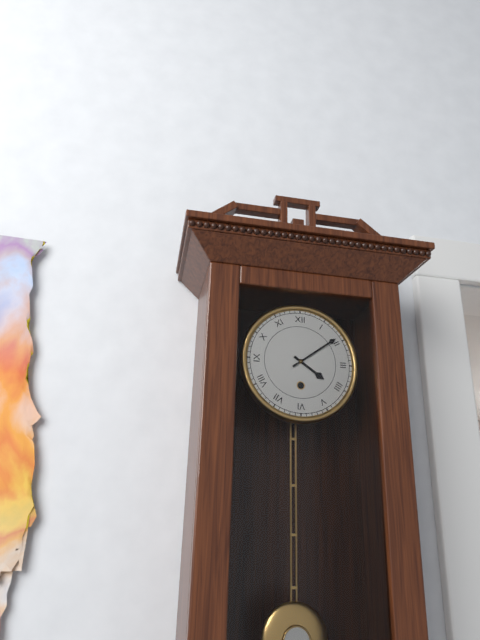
4:09
